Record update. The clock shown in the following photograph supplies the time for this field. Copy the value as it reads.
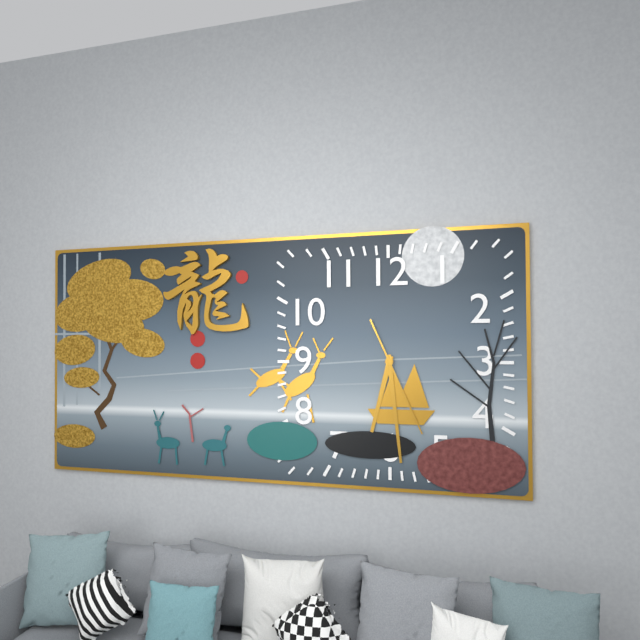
6:29:26
